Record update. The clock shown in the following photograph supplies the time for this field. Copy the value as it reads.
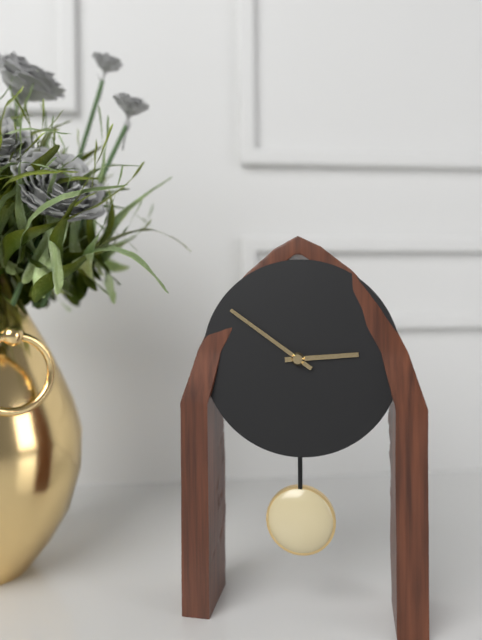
2:51
